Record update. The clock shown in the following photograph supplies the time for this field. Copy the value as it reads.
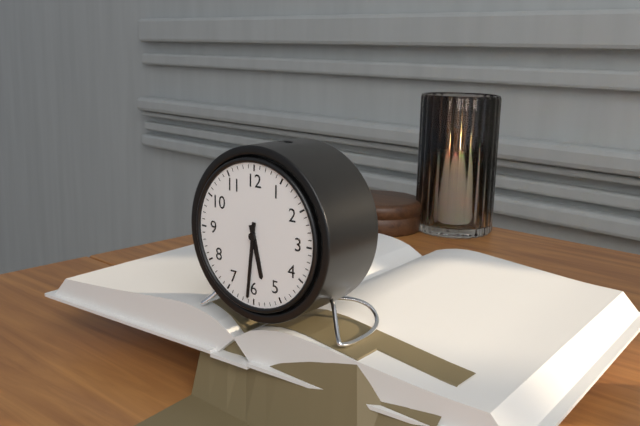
5:31
